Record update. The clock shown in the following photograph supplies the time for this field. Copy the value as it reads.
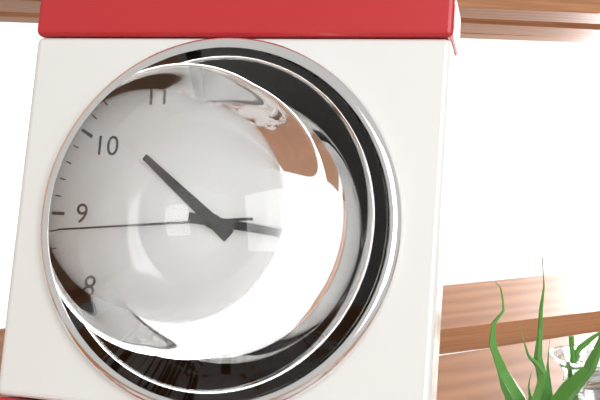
10:16:44
